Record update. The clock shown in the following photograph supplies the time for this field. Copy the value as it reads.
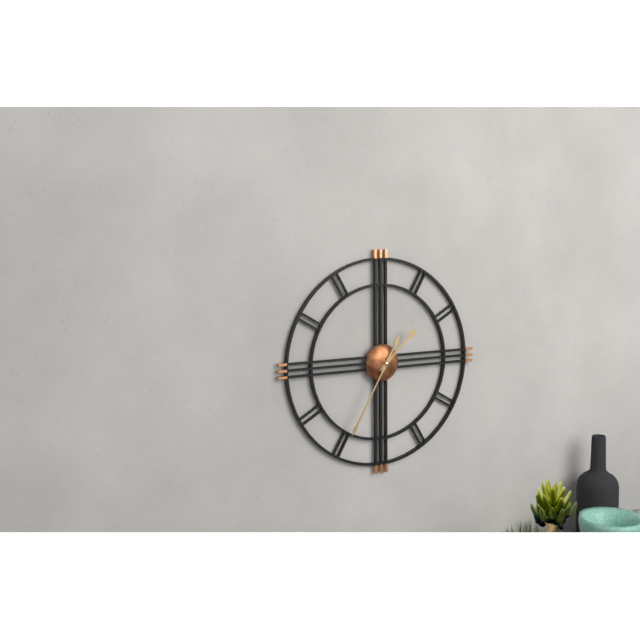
1:35
